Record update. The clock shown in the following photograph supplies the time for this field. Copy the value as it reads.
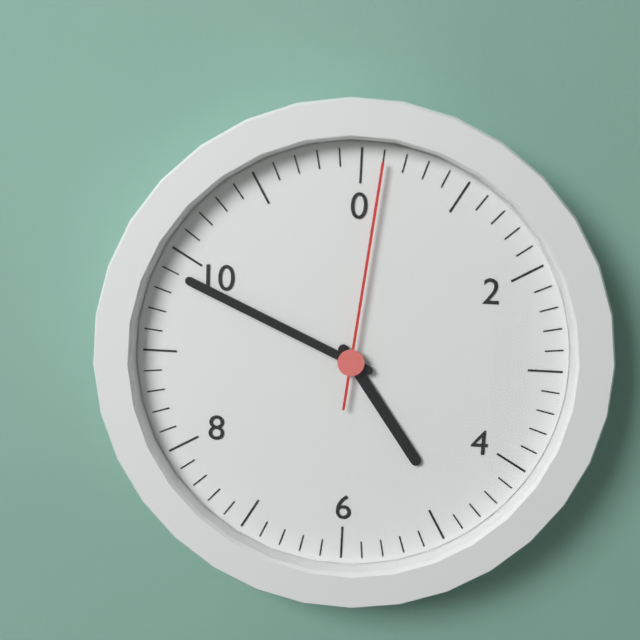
4:49:01
